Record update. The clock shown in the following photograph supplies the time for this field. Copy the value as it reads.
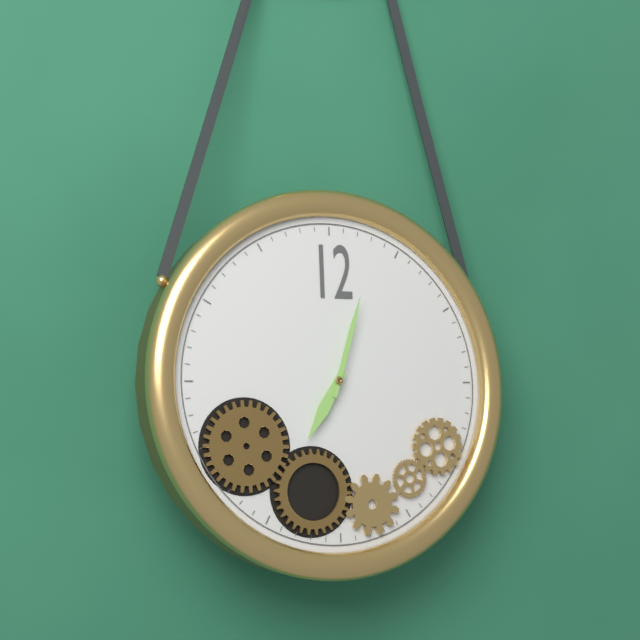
7:03
